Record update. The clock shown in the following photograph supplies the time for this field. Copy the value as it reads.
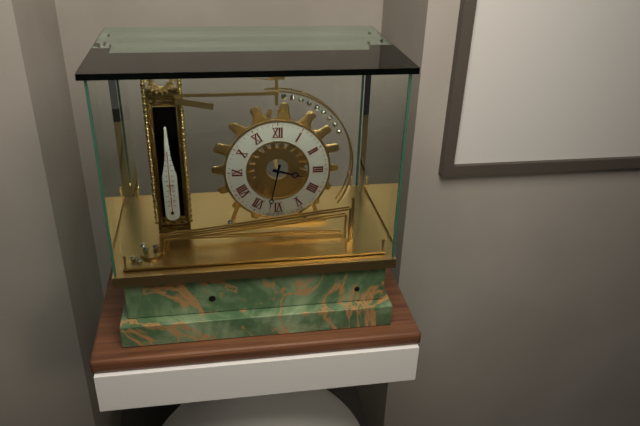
3:32
